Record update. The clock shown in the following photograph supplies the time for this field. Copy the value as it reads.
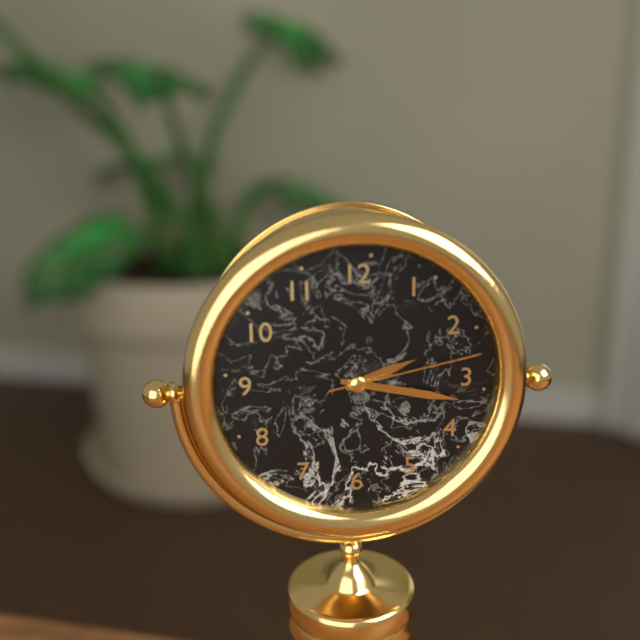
2:17:13
